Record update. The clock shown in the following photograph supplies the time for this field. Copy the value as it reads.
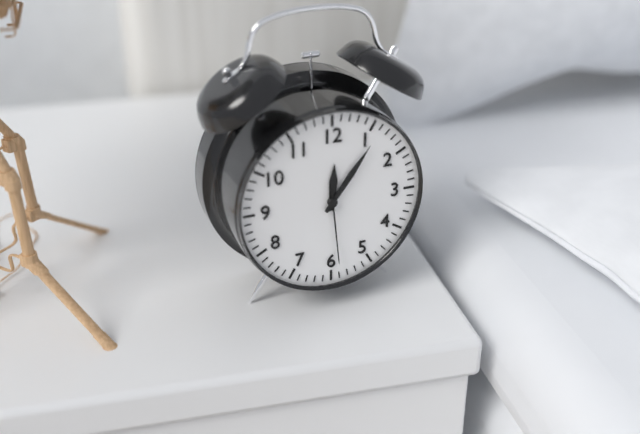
12:06:29
